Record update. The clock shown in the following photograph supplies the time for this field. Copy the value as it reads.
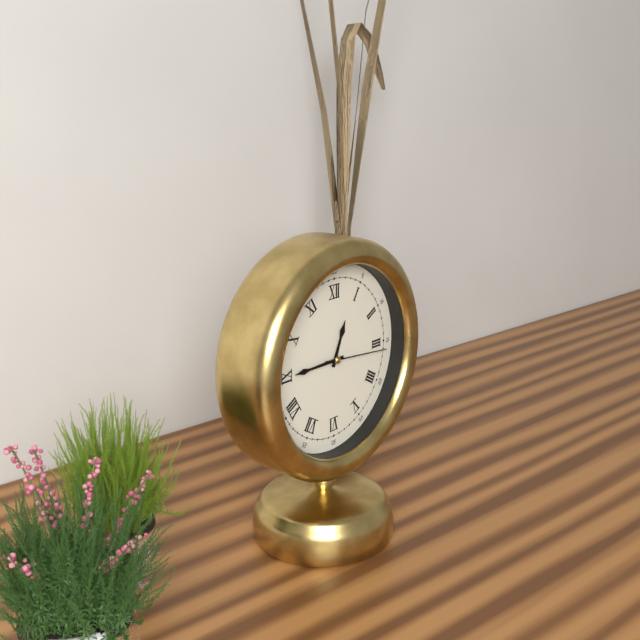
12:45:16
